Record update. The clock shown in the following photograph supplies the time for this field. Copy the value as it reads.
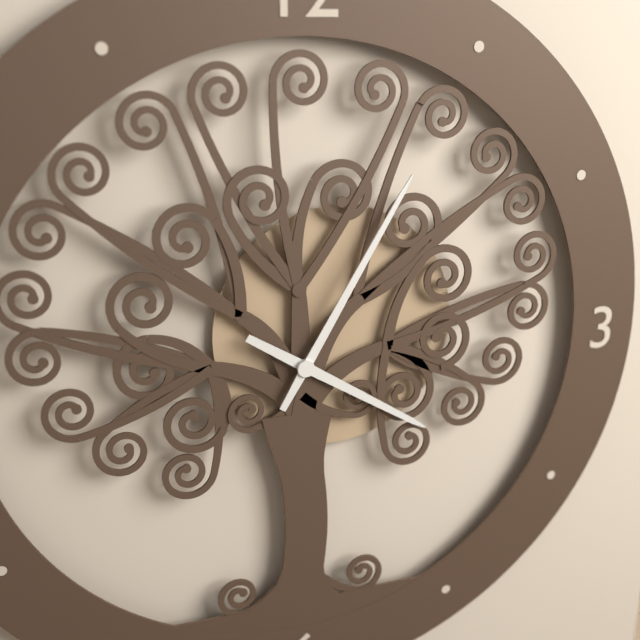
4:05
